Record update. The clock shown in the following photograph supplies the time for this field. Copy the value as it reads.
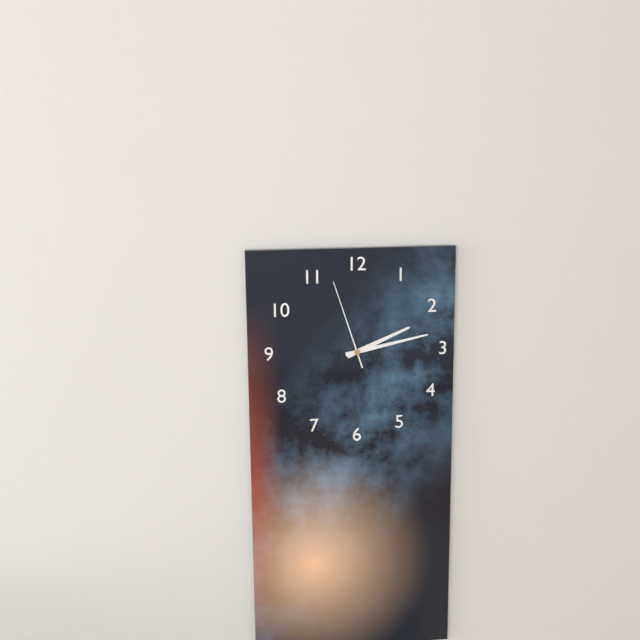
2:13:57
